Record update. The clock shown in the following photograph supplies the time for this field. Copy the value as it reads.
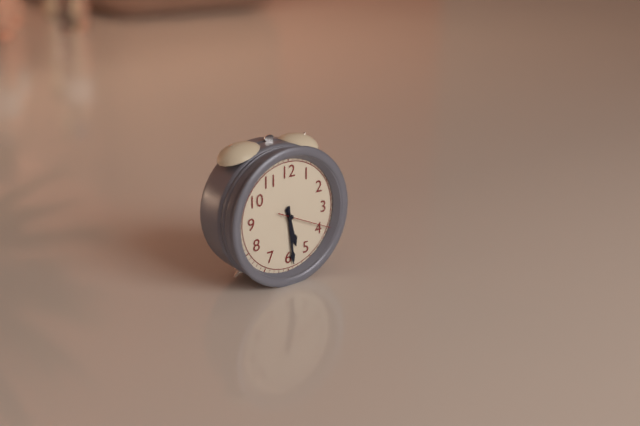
5:29:19
